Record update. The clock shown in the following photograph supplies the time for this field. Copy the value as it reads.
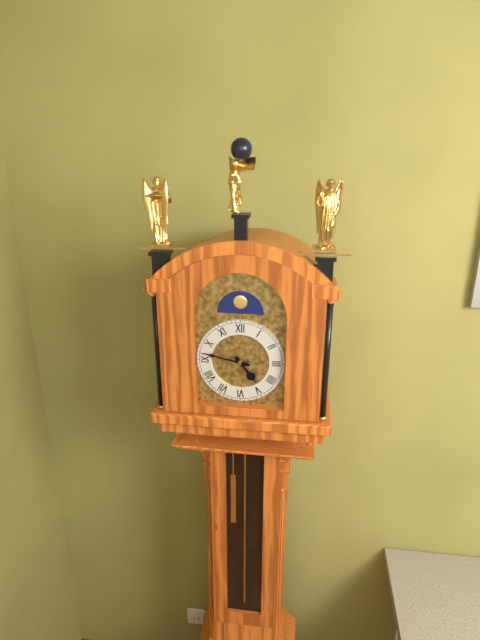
4:47
